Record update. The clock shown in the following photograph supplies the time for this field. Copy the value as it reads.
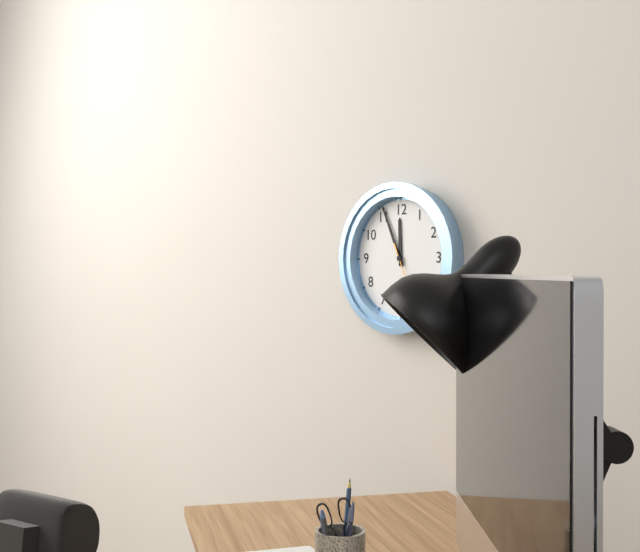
11:56
